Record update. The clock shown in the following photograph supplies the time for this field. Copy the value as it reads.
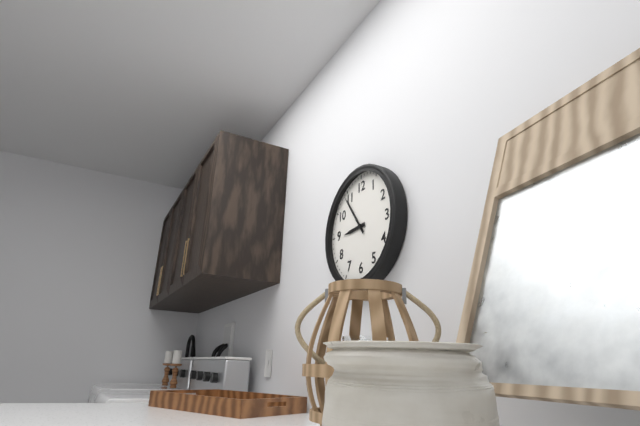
8:54
